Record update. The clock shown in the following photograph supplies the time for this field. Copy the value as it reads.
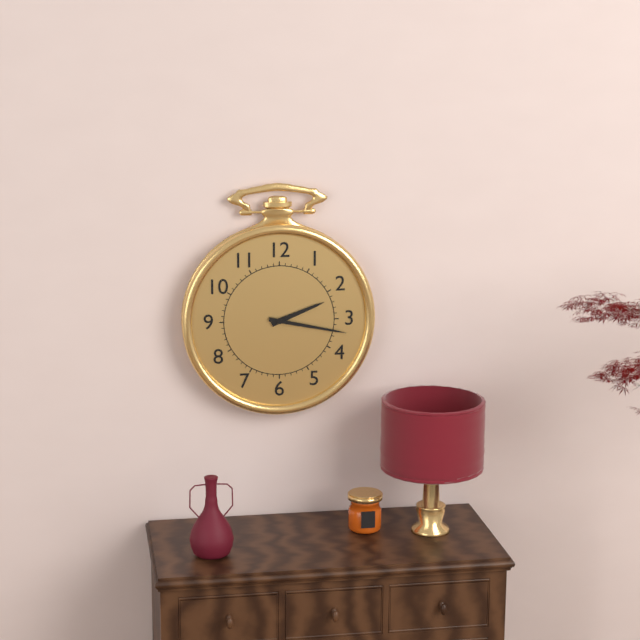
2:17
